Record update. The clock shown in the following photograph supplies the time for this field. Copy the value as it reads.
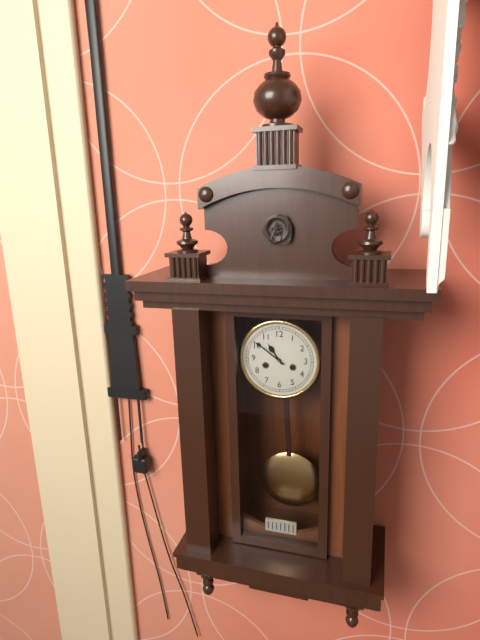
10:51
